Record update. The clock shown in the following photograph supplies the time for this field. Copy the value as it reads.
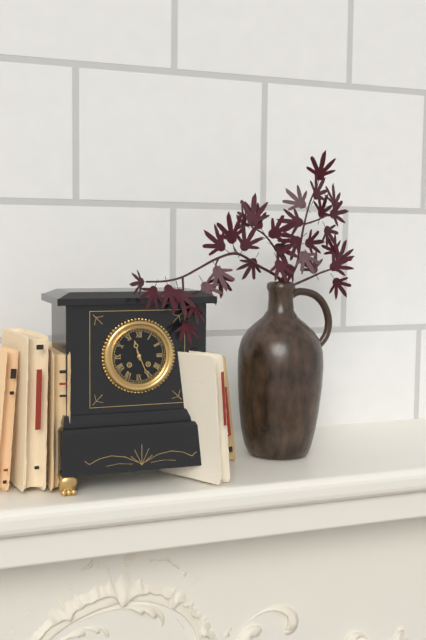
11:26
